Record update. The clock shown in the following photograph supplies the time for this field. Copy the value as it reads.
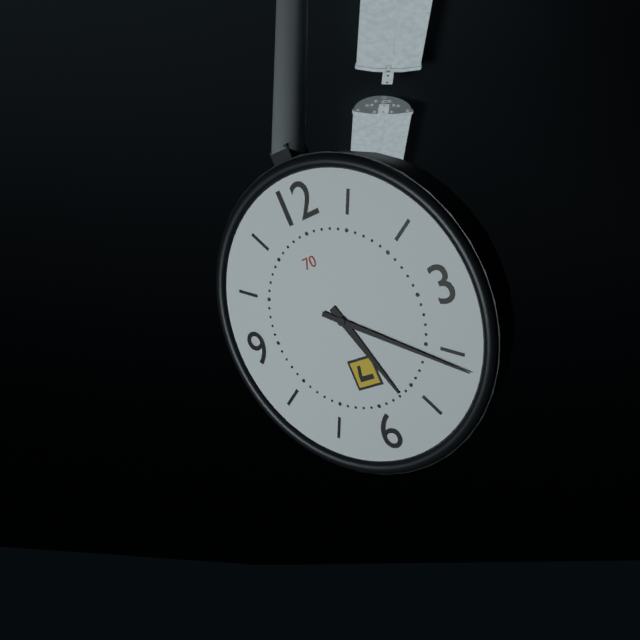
5:21
